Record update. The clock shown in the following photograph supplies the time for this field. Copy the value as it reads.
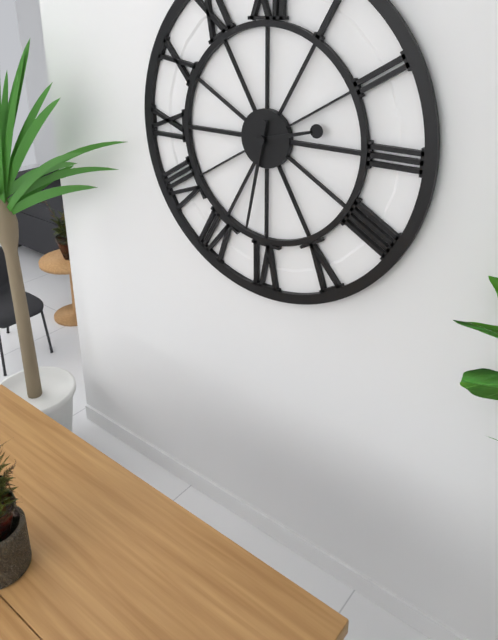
2:32
